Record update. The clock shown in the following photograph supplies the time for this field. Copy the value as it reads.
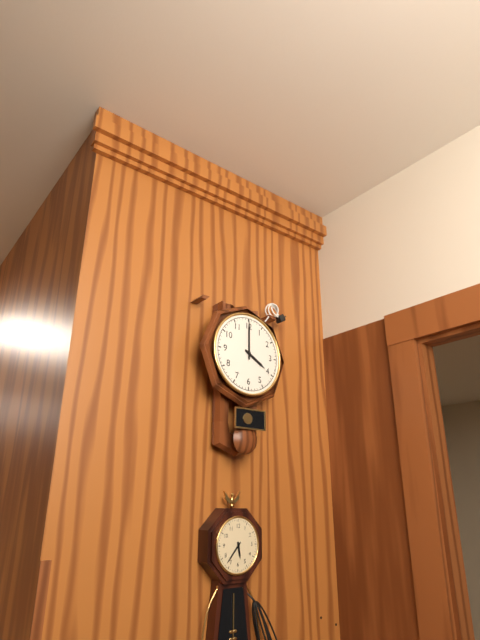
4:00
